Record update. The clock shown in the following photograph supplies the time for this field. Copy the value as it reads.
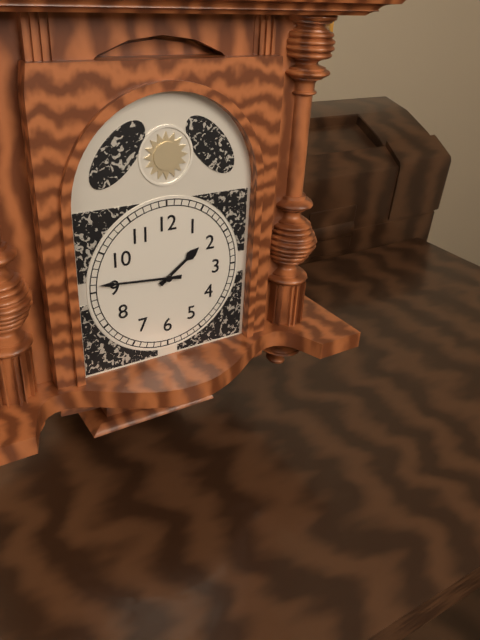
1:46
